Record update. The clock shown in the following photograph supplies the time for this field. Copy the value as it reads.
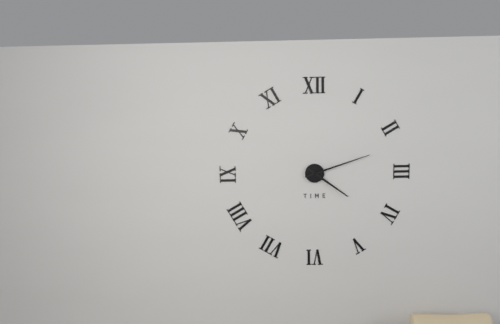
4:12
